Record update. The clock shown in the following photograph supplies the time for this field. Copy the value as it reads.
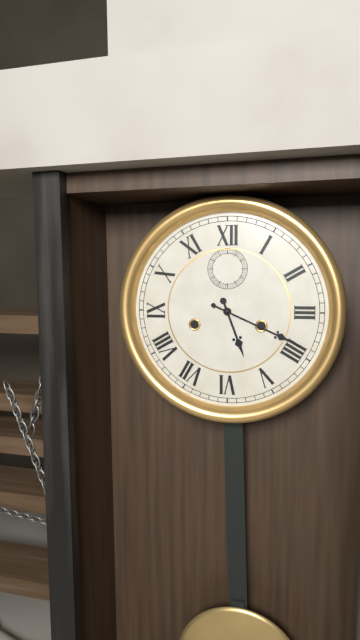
5:19
